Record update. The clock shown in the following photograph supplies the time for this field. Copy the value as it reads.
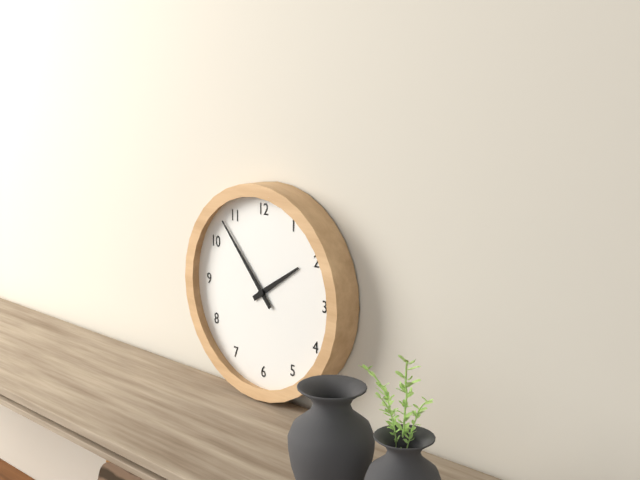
1:53
